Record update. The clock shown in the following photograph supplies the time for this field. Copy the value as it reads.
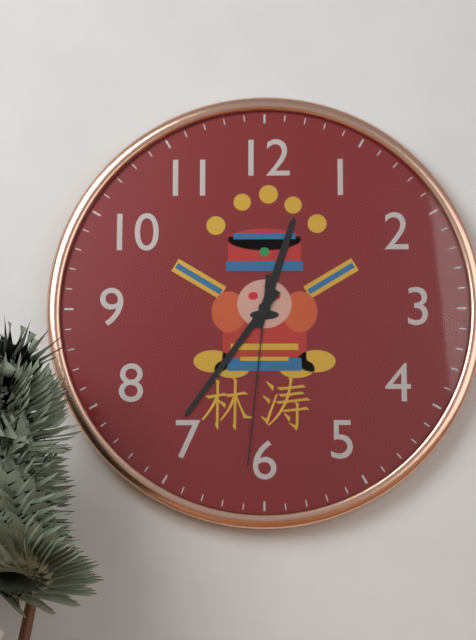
12:36:31
